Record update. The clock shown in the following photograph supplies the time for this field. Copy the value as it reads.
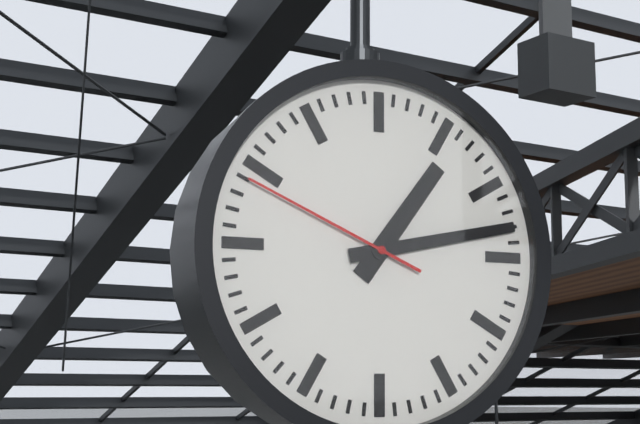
1:13:49
